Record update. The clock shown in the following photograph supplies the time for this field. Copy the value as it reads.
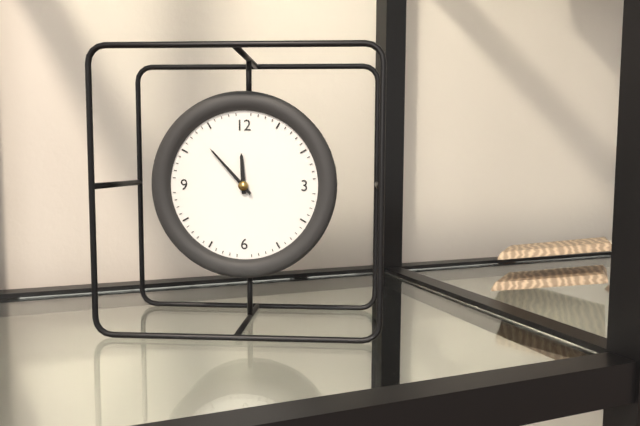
11:53
